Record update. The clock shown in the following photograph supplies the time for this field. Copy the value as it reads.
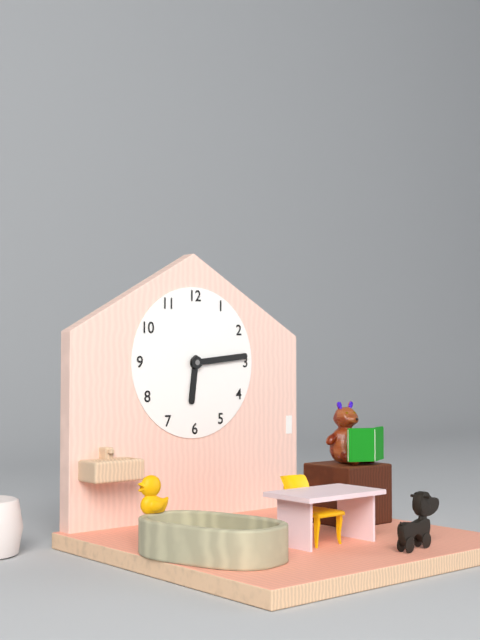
6:14
